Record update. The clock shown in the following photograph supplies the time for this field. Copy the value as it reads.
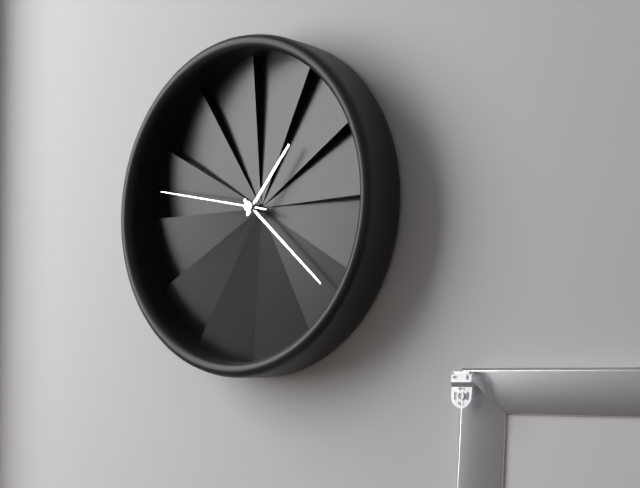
1:22:47
